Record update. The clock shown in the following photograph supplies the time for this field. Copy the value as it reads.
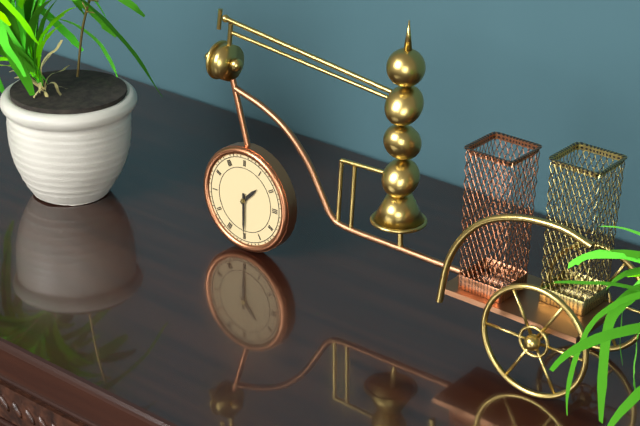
1:30
